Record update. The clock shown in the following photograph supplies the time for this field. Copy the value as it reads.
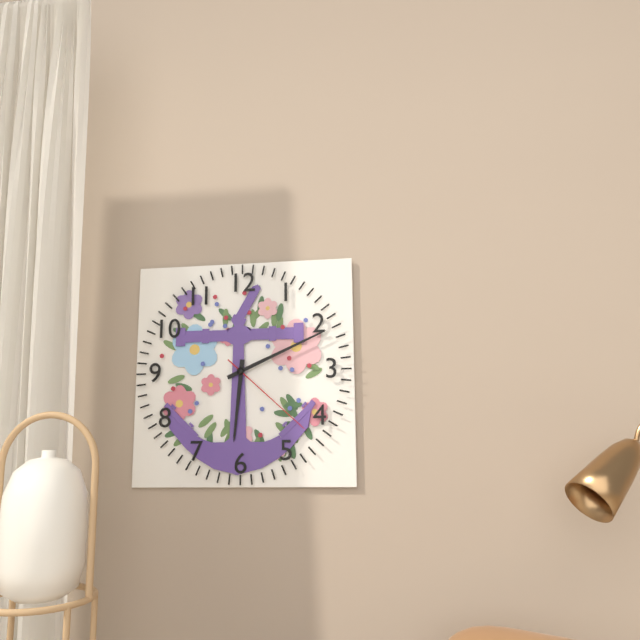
6:11:22
